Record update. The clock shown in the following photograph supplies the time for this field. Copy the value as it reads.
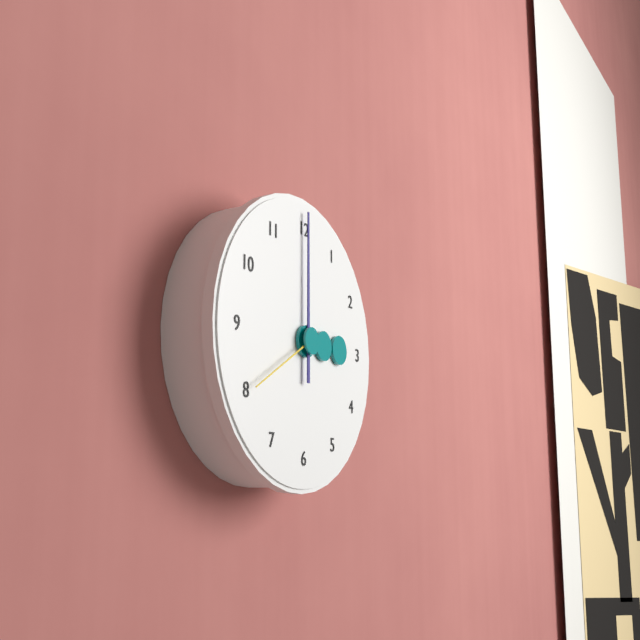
3:00:40
